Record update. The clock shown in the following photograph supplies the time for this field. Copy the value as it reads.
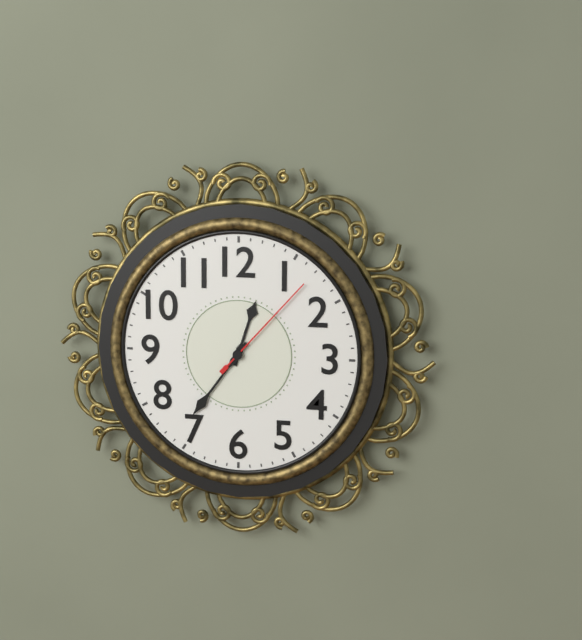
12:36:07
